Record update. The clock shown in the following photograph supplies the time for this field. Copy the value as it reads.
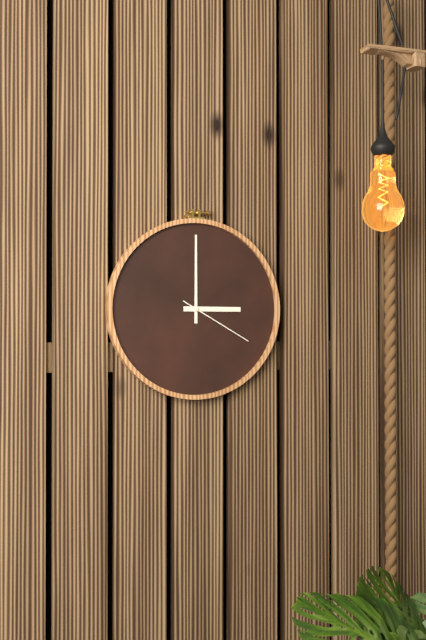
3:00:20
